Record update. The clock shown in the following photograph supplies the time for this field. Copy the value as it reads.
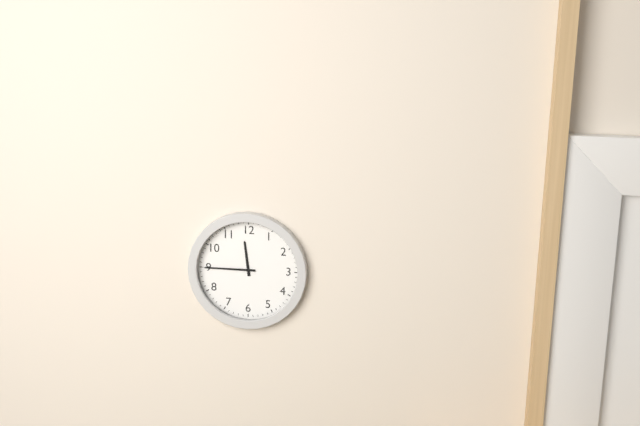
11:45
